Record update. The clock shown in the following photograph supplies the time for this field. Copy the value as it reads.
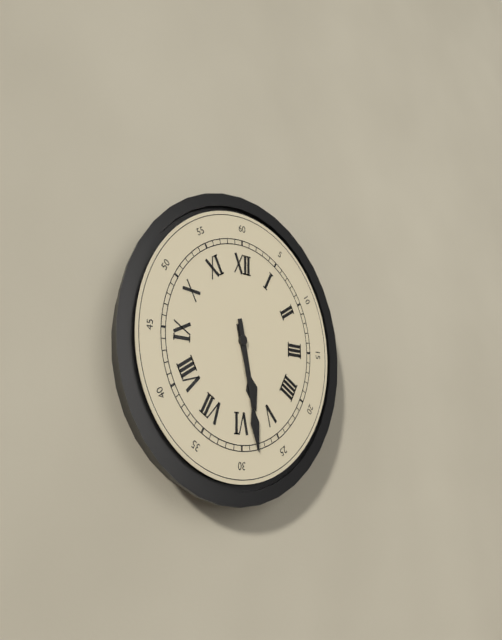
5:28
